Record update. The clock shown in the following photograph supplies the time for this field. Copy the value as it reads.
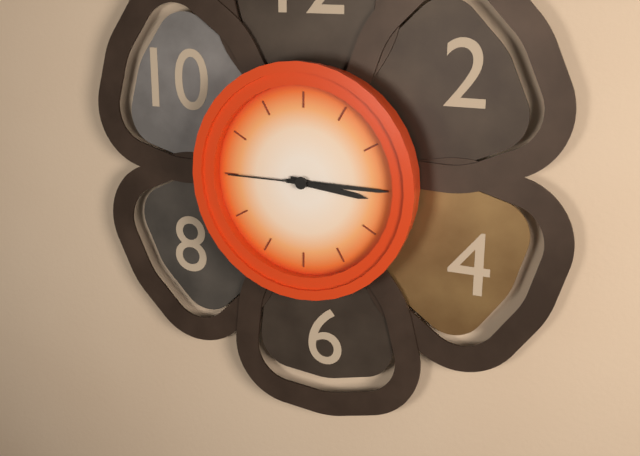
3:15:45
